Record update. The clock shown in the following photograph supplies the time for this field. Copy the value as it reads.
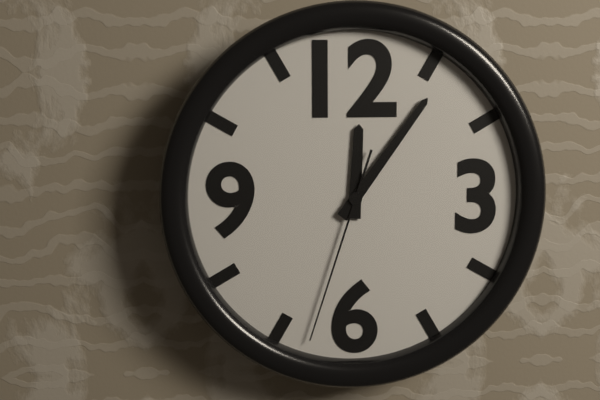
12:06:33
